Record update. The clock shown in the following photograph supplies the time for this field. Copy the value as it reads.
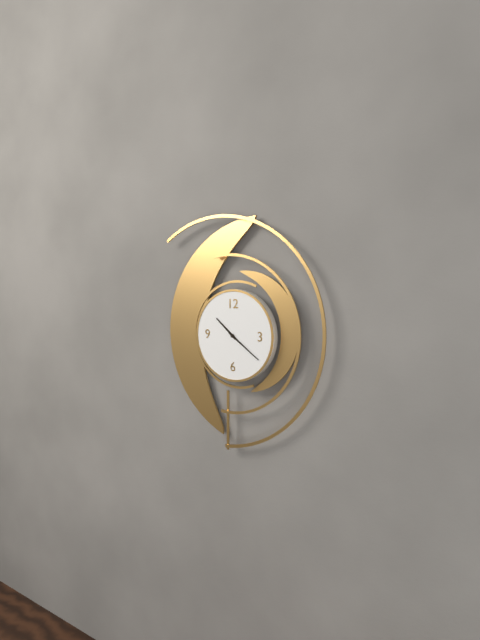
10:21
